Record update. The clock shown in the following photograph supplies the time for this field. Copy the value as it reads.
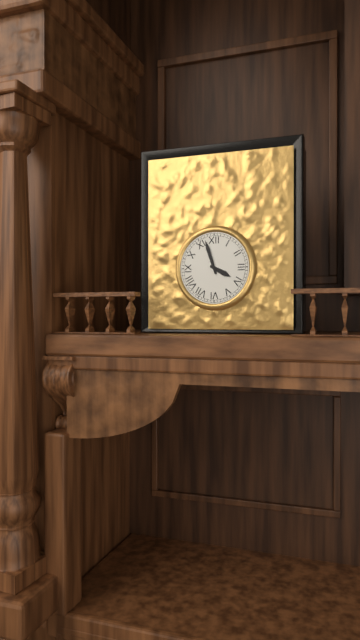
3:57
